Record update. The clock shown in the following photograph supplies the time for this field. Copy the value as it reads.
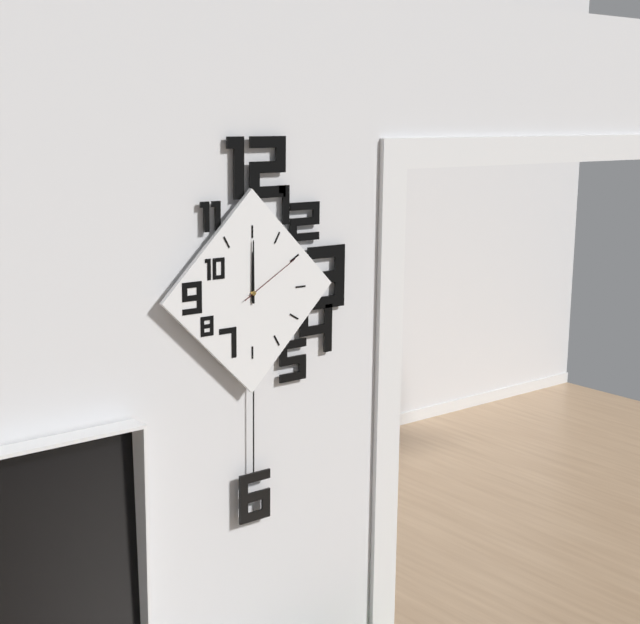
12:00:10
